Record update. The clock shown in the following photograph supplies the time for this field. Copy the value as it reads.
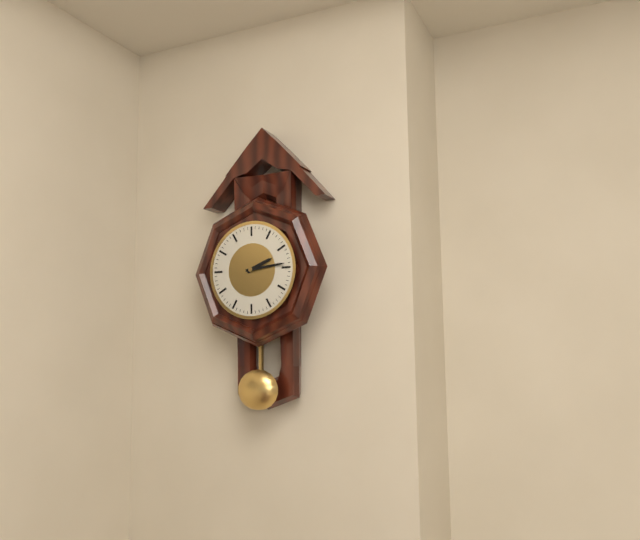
2:14
